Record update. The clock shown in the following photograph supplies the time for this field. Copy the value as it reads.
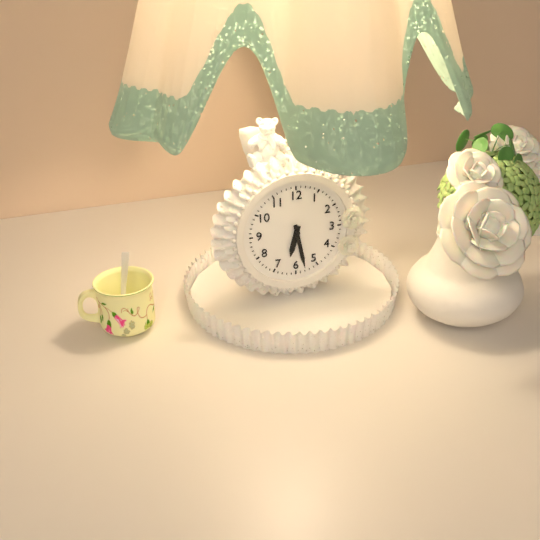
6:28
